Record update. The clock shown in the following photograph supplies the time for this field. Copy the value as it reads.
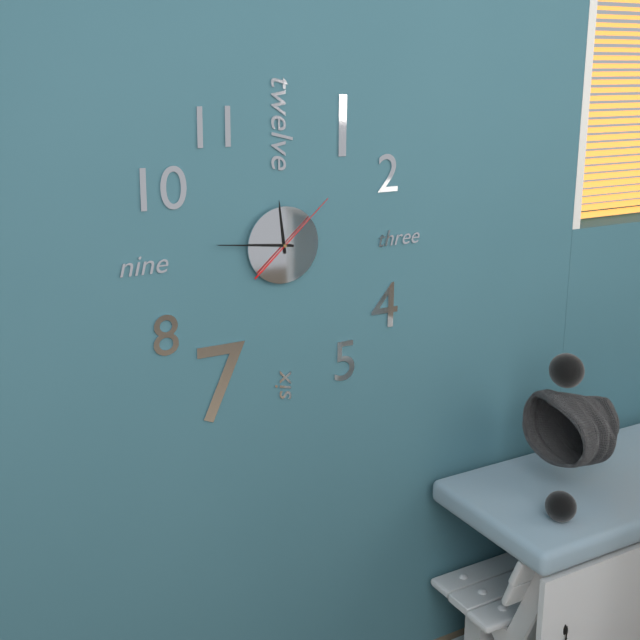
11:46:08
